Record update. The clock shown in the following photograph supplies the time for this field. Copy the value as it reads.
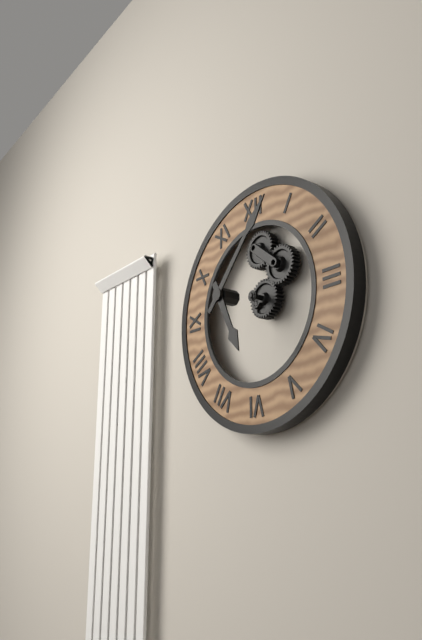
5:07
